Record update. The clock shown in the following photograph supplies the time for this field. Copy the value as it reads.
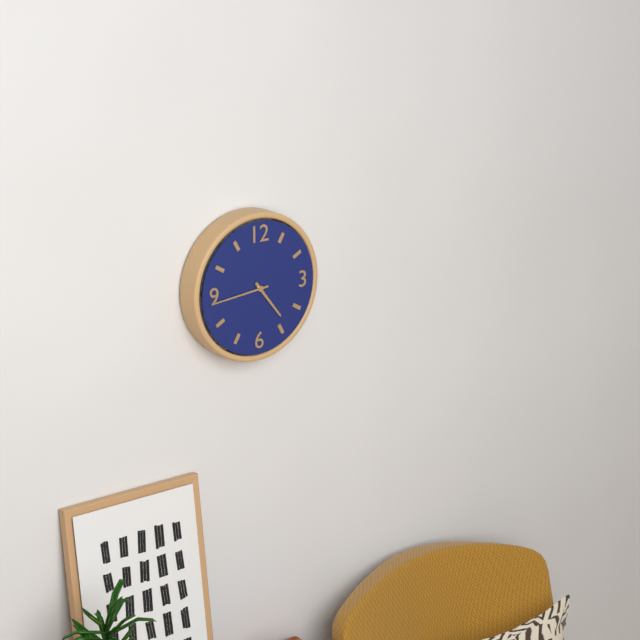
4:44
